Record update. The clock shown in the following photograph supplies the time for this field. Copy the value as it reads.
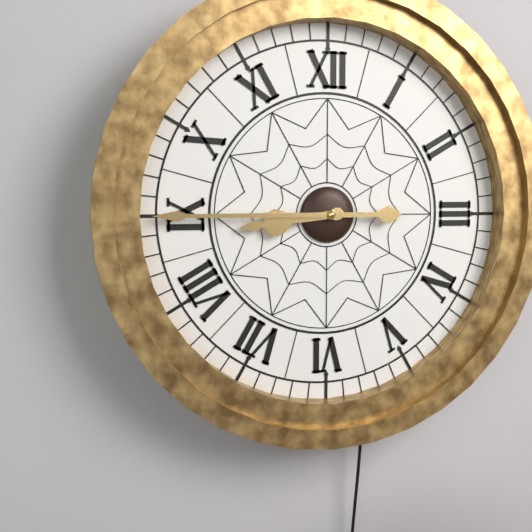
8:45
